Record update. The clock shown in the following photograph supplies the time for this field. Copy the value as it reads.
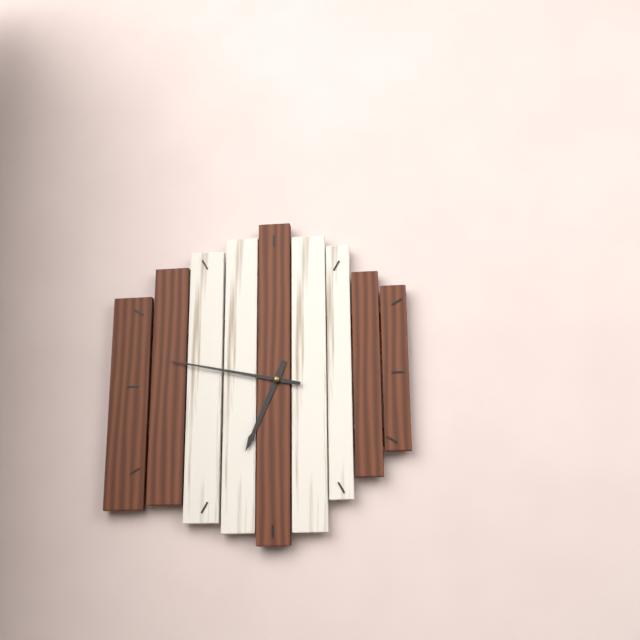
6:47
